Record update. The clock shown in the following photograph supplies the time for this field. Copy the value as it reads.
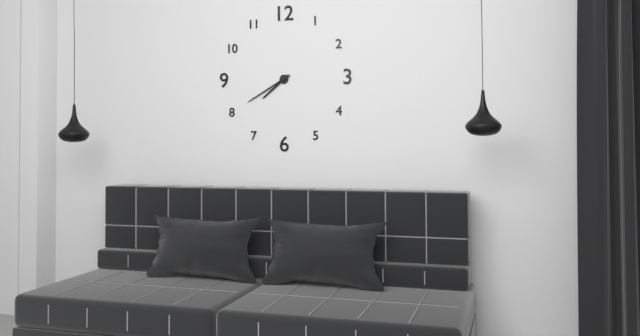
7:40
